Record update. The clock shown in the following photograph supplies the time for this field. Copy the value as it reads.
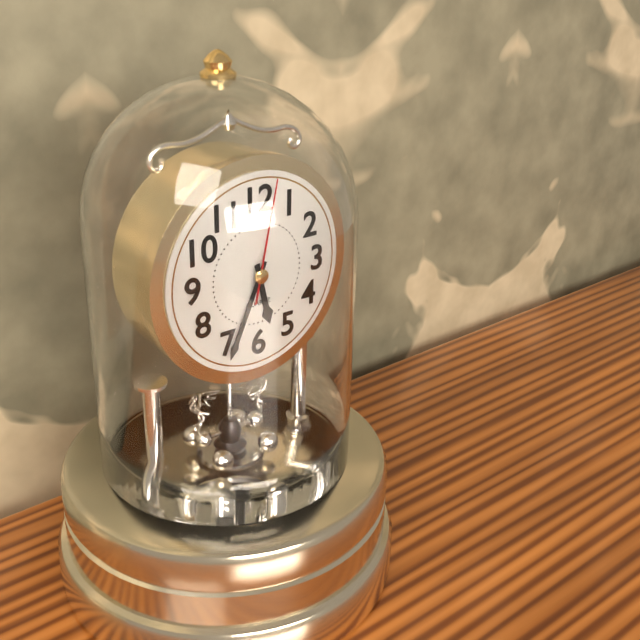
5:34:02
